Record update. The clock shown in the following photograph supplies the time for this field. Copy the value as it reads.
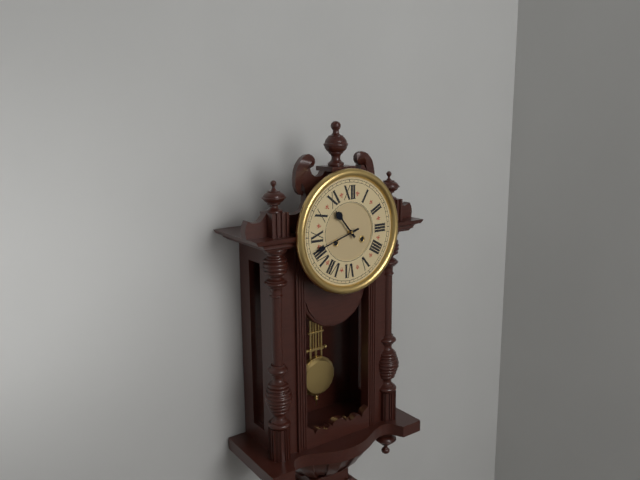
10:42
